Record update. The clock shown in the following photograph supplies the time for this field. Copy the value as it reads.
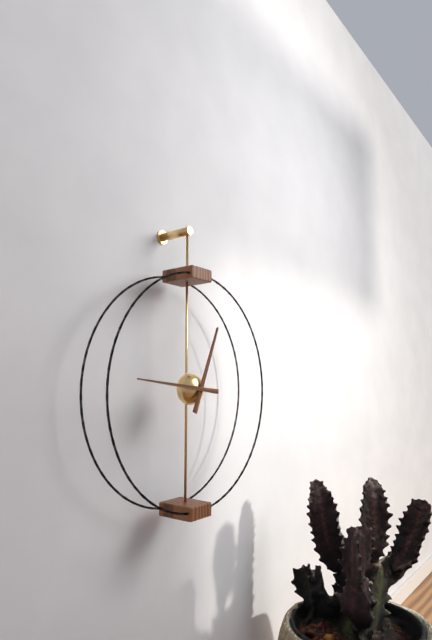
12:46
